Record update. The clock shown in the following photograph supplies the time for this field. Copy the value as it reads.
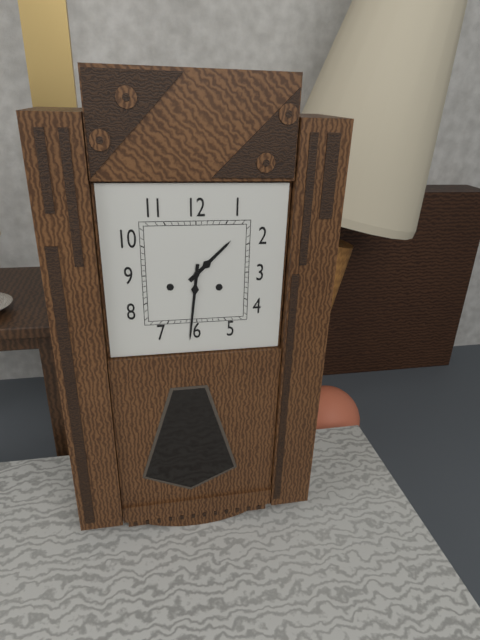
1:31
